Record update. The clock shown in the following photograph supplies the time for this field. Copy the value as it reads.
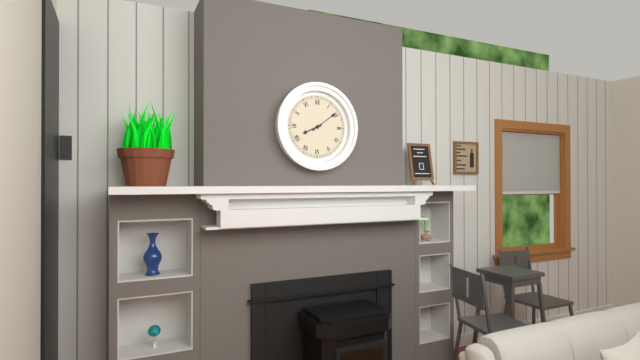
8:09
